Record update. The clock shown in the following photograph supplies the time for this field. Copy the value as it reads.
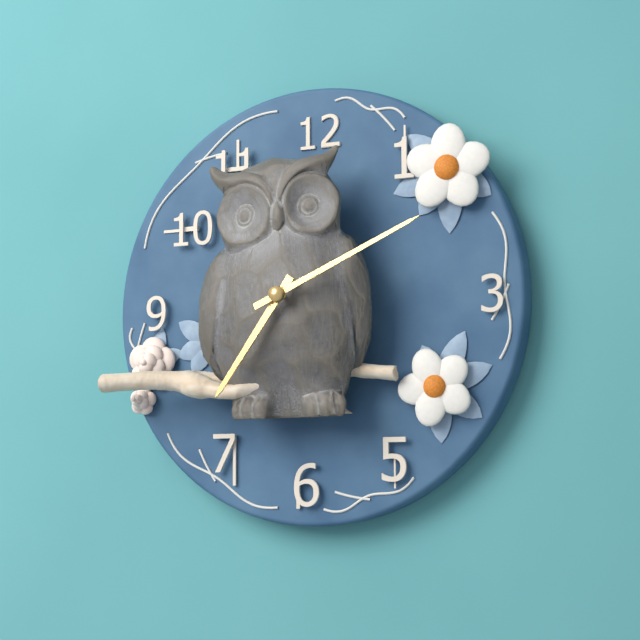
7:11
